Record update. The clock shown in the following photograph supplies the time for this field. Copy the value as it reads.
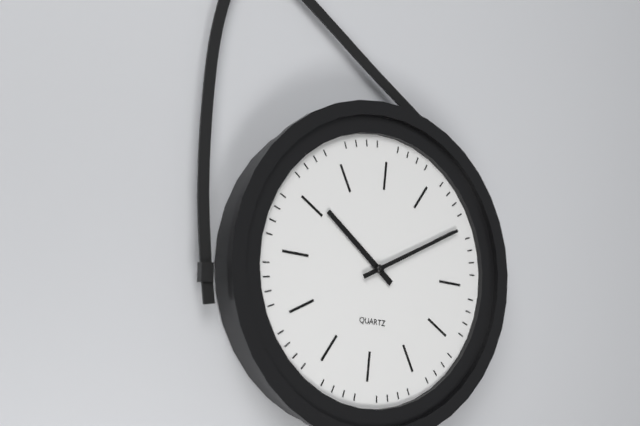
10:10
